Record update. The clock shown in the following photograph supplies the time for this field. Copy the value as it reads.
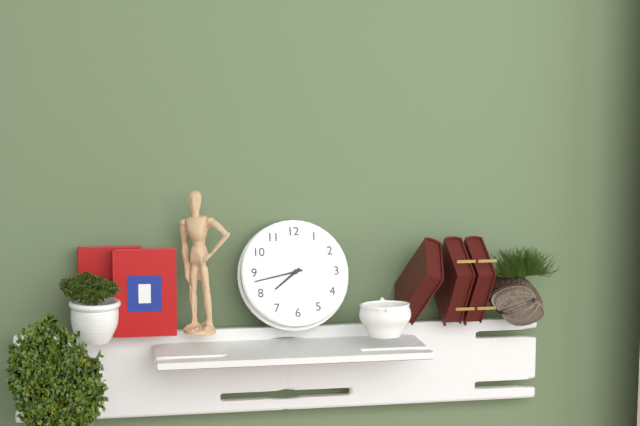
7:43
